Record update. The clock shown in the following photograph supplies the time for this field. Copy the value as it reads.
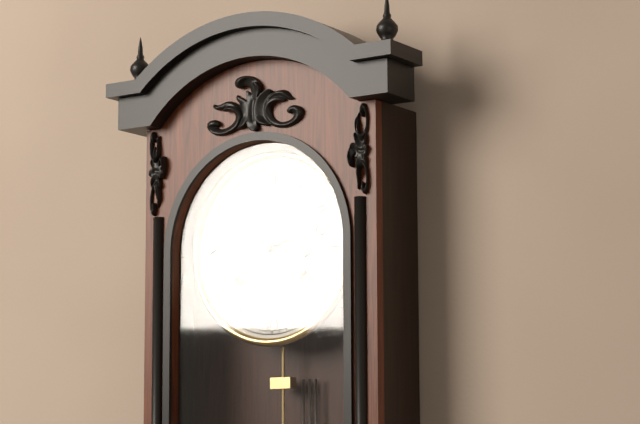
3:13
